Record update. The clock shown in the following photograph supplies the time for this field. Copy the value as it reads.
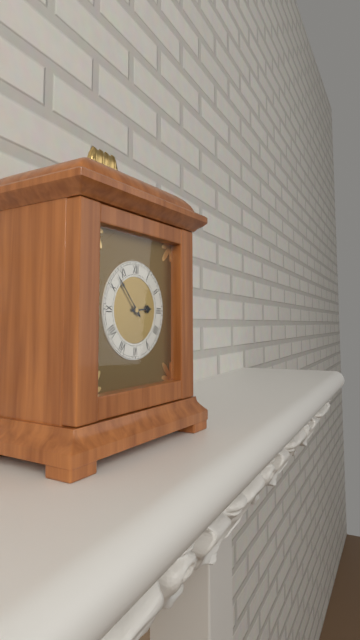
2:53
